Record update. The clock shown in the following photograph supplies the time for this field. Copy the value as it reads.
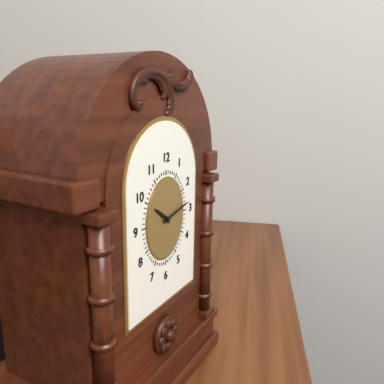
10:13
